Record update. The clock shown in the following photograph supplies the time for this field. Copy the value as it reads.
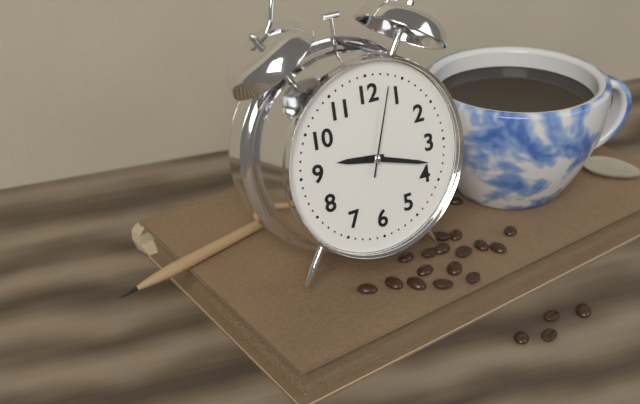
9:18:03
